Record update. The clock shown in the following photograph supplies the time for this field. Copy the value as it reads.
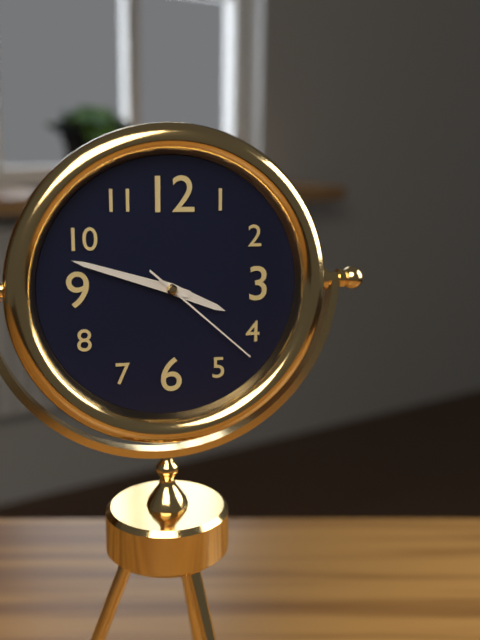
3:48:22
